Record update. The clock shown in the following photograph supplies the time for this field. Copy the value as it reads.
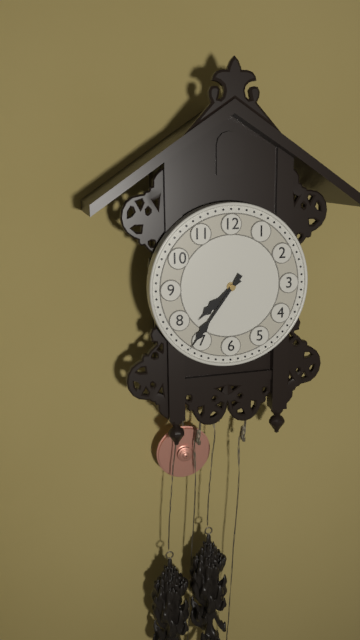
7:36
